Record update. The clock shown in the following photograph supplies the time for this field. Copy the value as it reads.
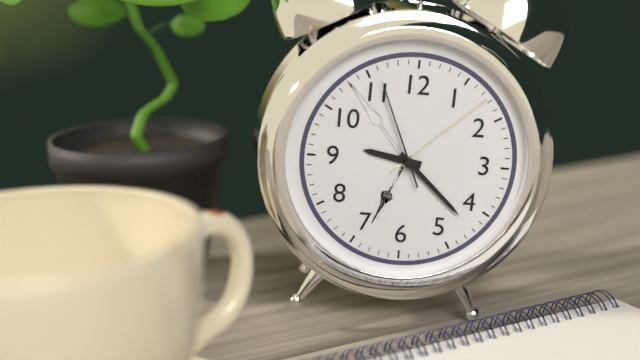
9:22:56
